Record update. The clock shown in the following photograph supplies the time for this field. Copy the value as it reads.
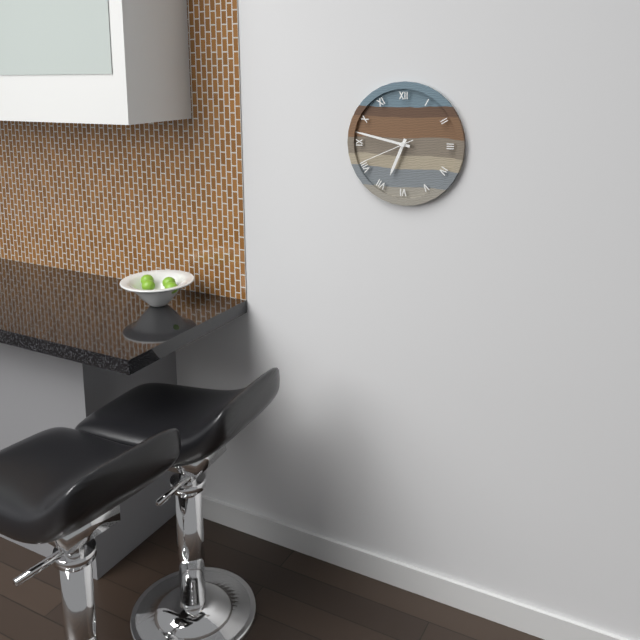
6:47:41
